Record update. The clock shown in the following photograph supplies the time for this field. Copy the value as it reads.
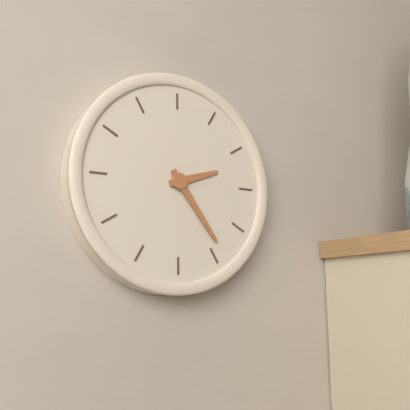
2:24
